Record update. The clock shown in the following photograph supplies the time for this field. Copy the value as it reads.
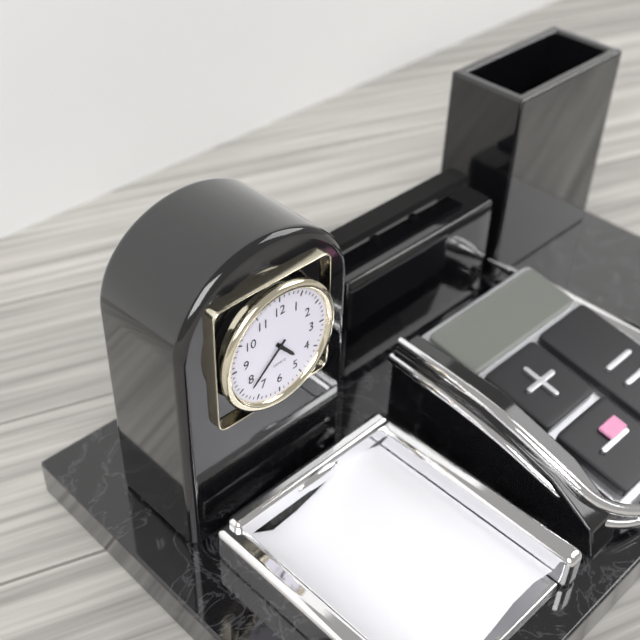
4:38
